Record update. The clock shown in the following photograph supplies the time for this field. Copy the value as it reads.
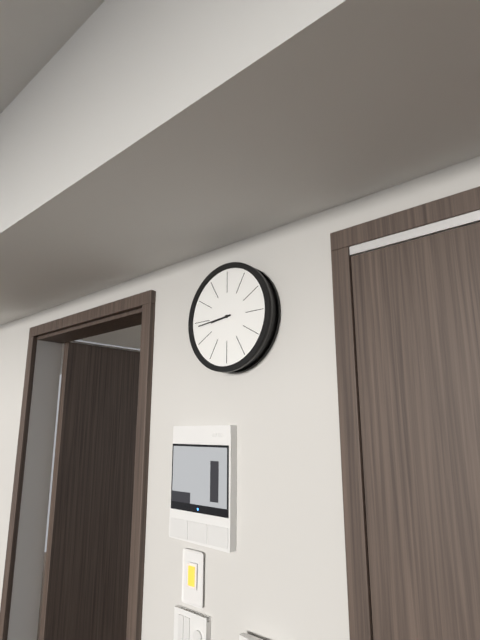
8:44
